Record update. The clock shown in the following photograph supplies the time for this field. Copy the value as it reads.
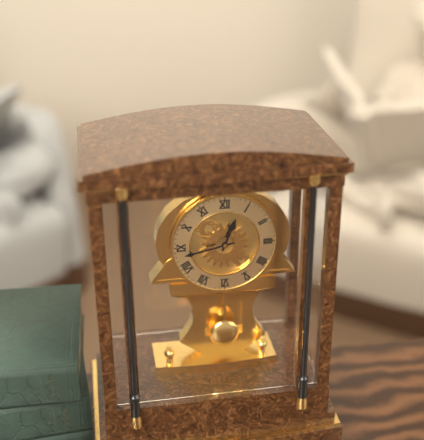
12:43
